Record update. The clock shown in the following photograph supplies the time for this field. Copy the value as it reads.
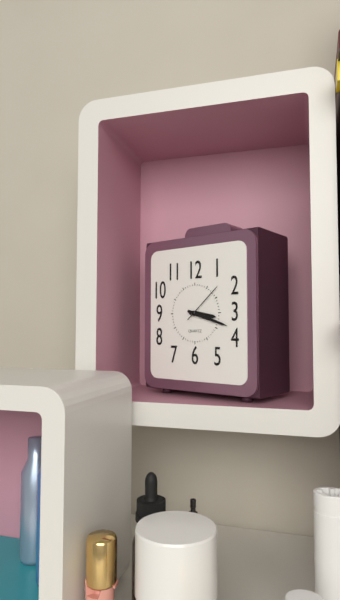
3:18
